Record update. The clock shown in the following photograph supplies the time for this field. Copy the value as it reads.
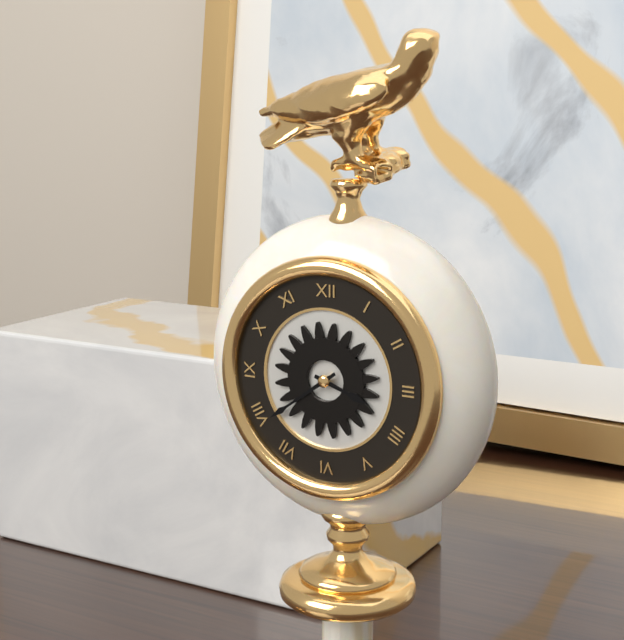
3:39
